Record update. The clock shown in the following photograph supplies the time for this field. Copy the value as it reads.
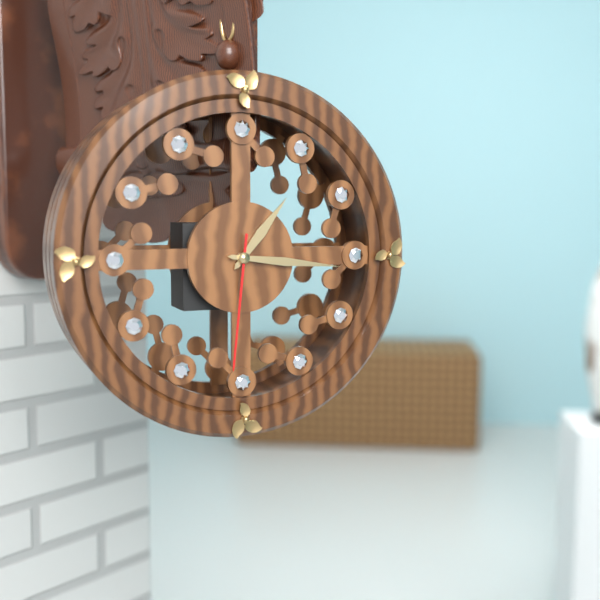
1:16:31
